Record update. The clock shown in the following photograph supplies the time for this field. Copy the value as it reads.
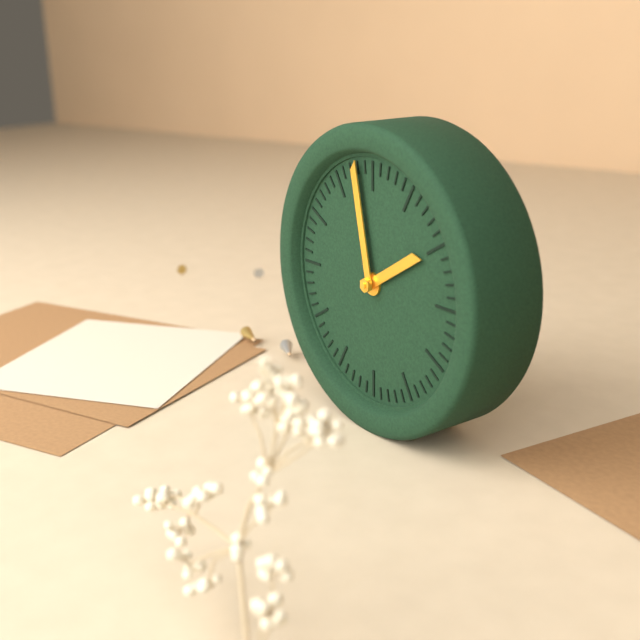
1:58
